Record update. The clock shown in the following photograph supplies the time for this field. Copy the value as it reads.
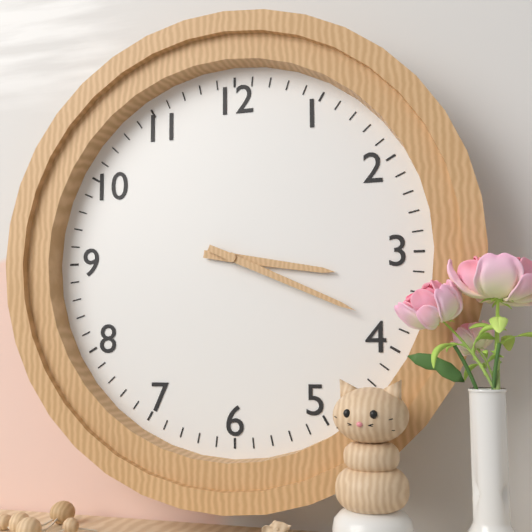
3:19
